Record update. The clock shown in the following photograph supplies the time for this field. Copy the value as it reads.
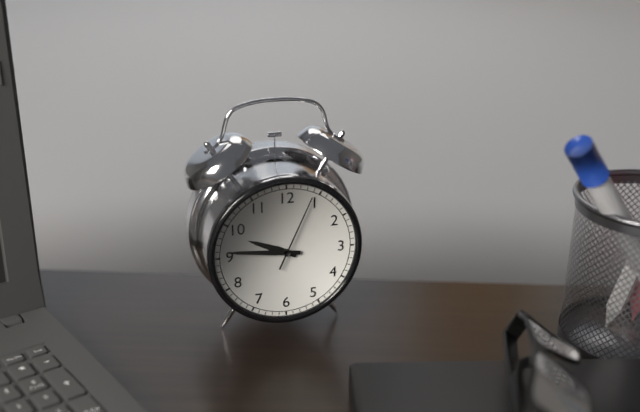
9:46:04
